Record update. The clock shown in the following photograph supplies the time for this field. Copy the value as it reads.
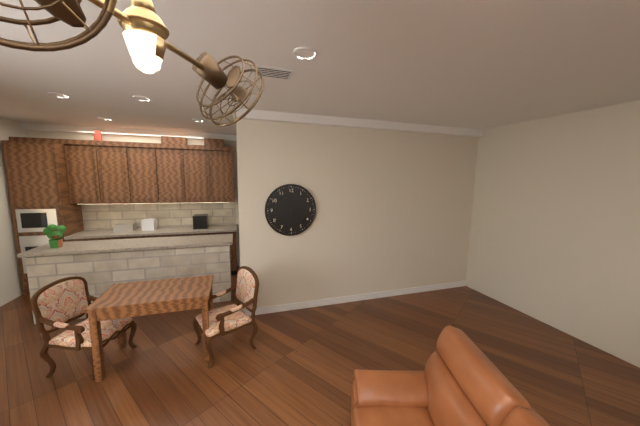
10:56
